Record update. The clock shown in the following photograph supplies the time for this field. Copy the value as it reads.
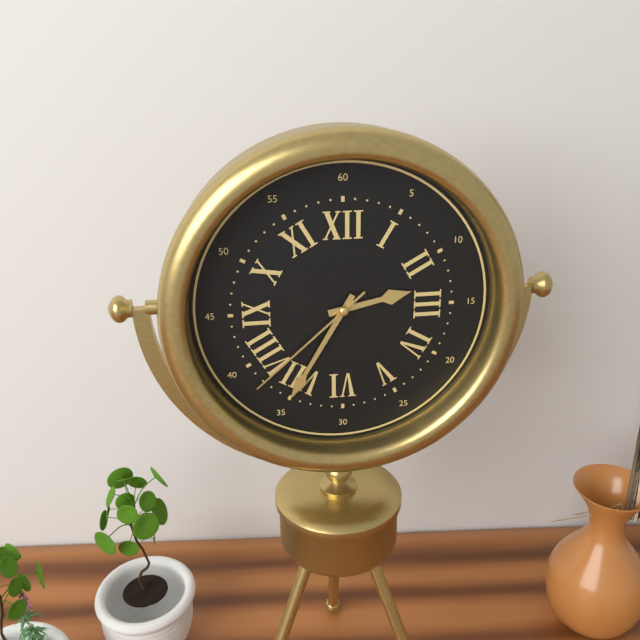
2:35:38
